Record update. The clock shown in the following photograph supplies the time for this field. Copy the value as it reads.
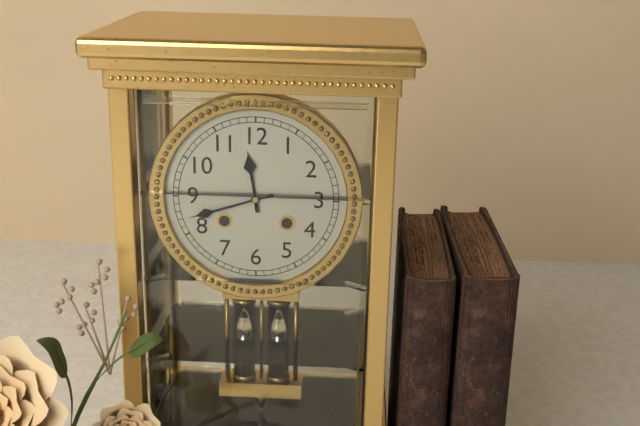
11:42
